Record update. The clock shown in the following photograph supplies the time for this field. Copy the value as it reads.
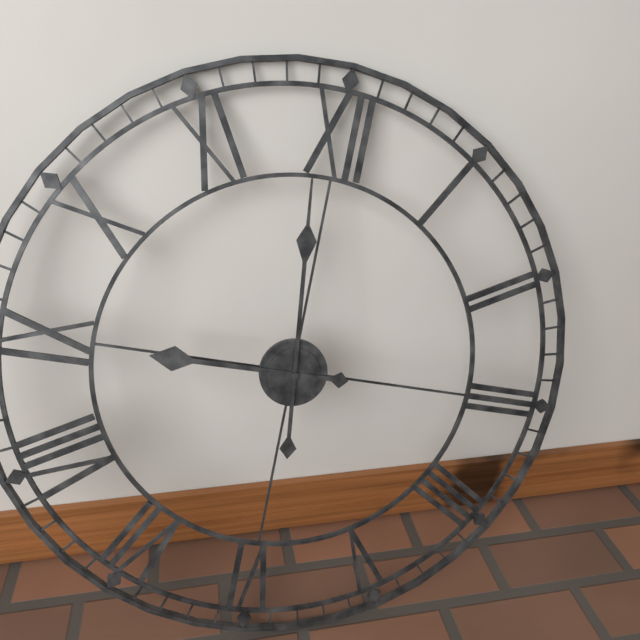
8:59
